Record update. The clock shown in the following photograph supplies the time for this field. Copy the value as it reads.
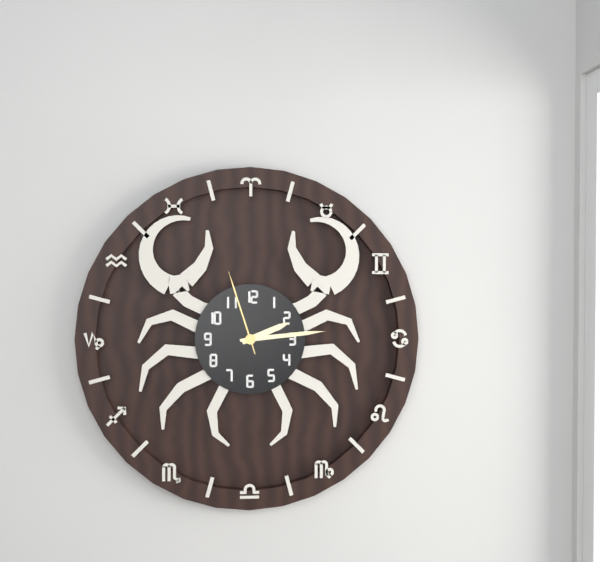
2:14:57
